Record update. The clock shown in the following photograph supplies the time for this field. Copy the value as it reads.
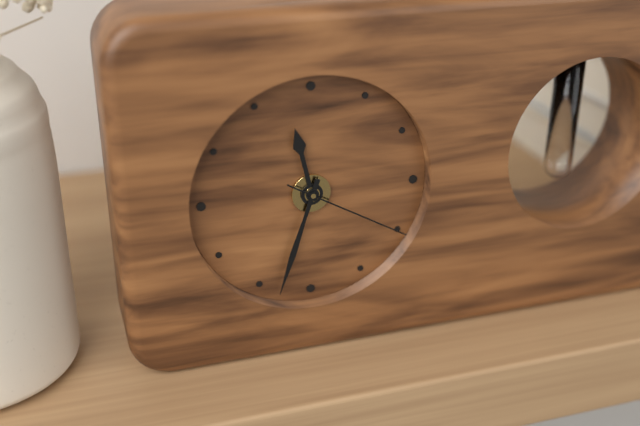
11:33:20
